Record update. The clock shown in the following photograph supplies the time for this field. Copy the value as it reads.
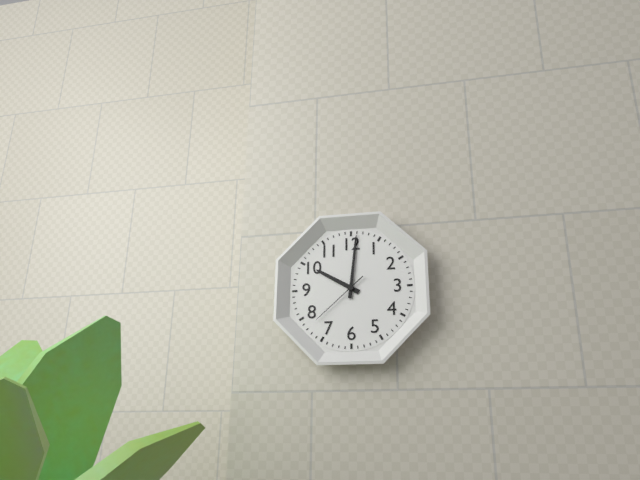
10:01:38
